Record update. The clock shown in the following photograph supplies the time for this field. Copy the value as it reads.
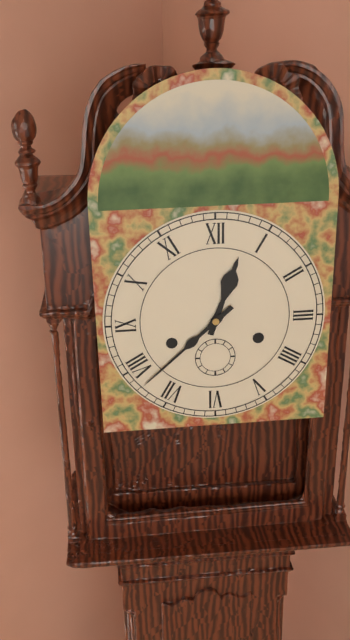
12:38
